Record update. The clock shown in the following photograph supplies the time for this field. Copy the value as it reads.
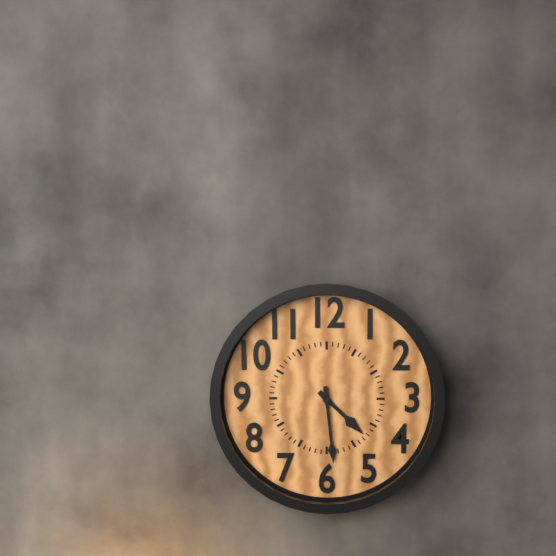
4:29
